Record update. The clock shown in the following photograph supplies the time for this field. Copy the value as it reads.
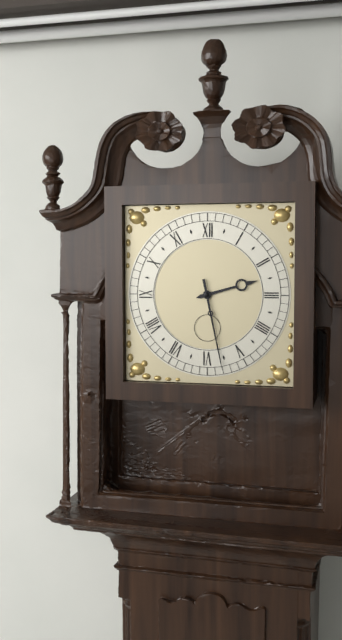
2:28
